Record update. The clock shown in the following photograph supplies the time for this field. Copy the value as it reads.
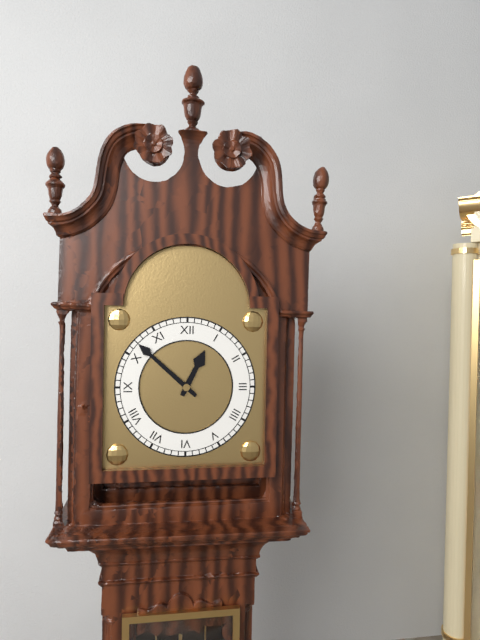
12:52
